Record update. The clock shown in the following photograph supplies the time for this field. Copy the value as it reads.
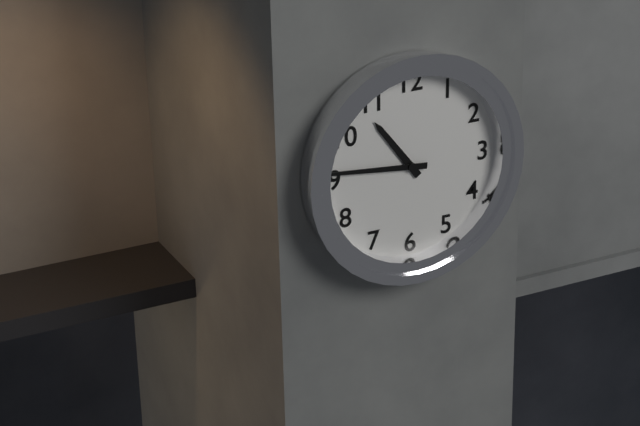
10:46
